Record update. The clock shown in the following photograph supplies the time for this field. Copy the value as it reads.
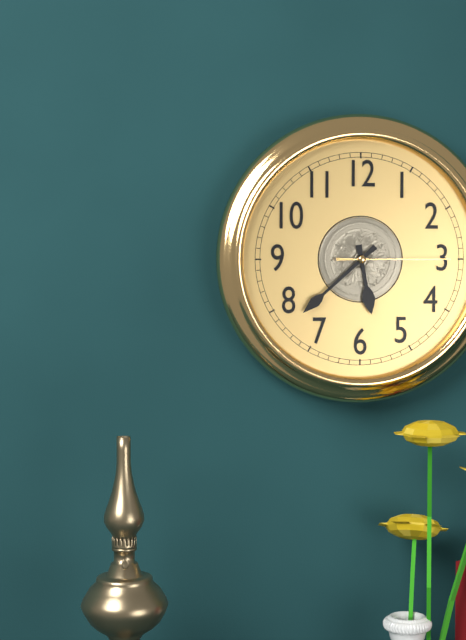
5:38:15
